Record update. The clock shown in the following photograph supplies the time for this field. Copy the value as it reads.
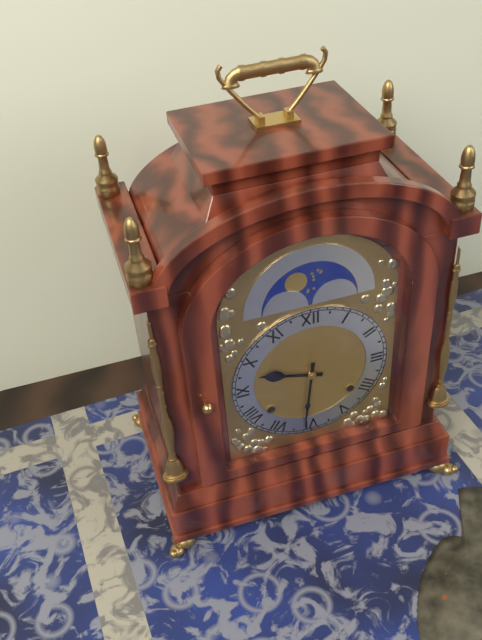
9:31
